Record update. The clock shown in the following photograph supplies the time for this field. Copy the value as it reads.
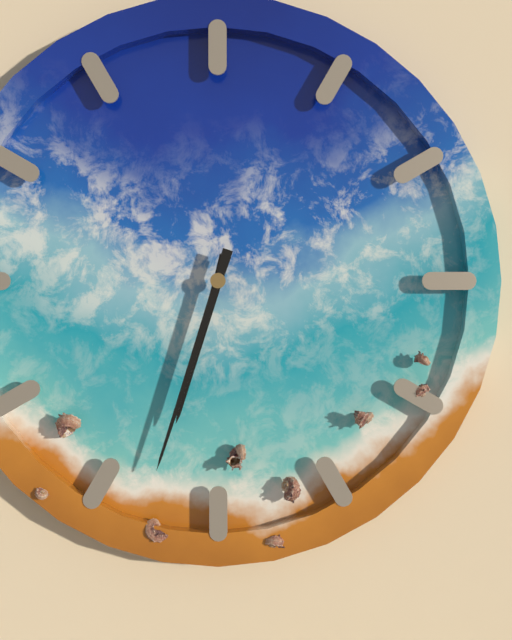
6:33
